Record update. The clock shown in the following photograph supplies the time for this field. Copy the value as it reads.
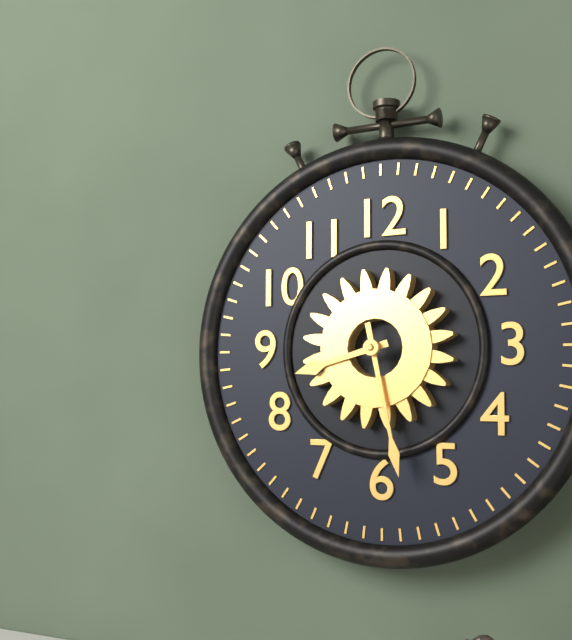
8:28
